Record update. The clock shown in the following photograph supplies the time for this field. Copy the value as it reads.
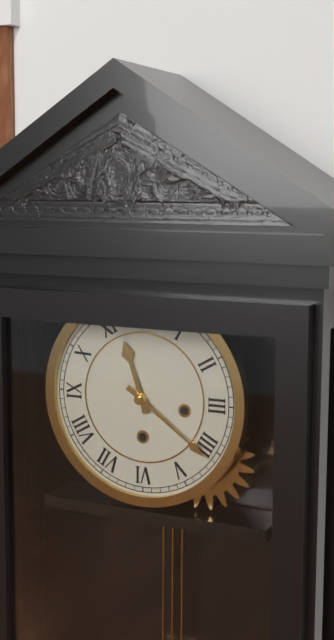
11:21
